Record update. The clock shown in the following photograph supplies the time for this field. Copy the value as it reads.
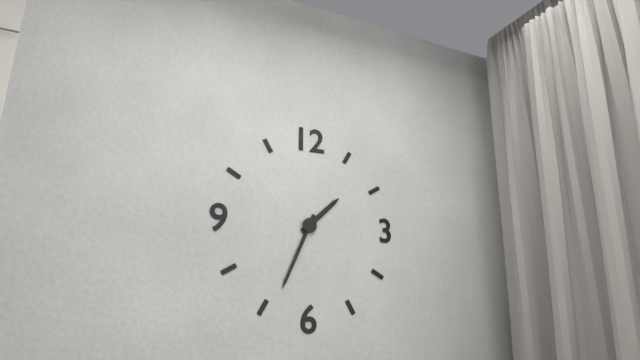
1:34
